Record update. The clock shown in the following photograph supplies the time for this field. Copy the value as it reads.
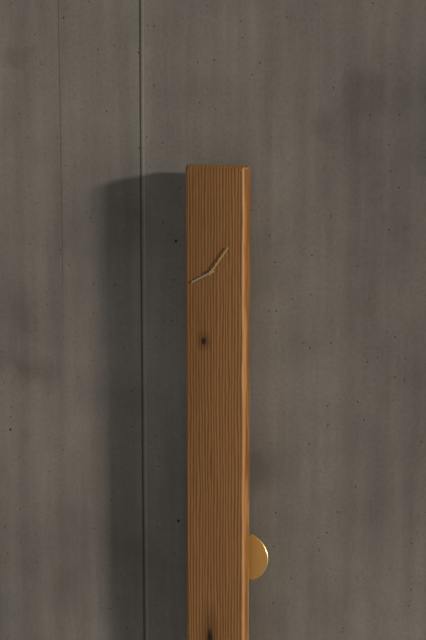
8:06
